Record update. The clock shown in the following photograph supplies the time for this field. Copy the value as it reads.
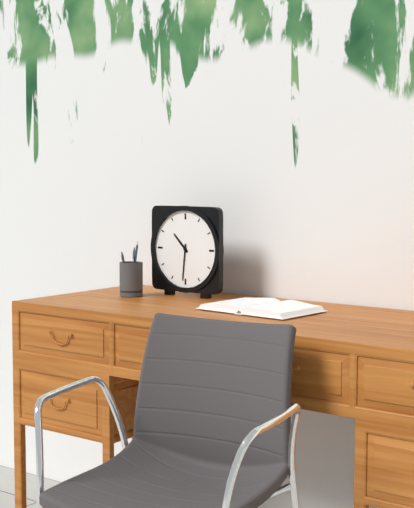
10:31
